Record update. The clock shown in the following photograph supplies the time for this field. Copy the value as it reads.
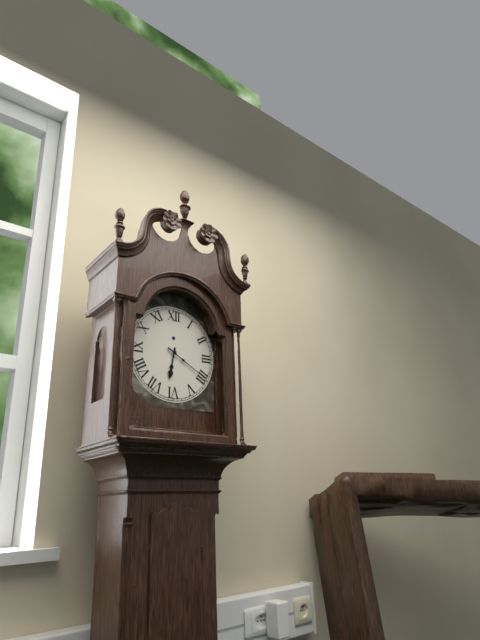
6:20
